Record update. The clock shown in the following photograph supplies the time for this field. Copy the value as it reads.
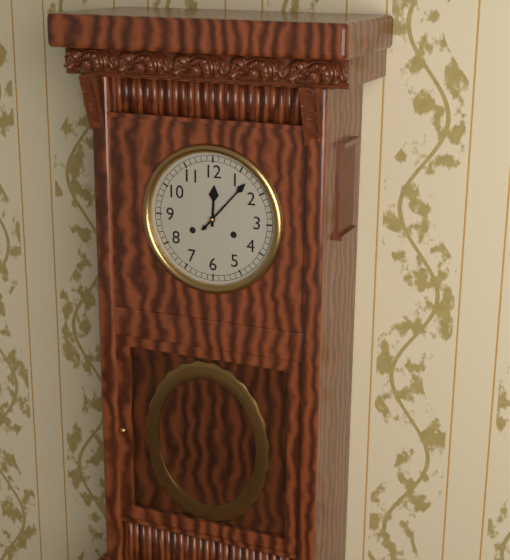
12:07
